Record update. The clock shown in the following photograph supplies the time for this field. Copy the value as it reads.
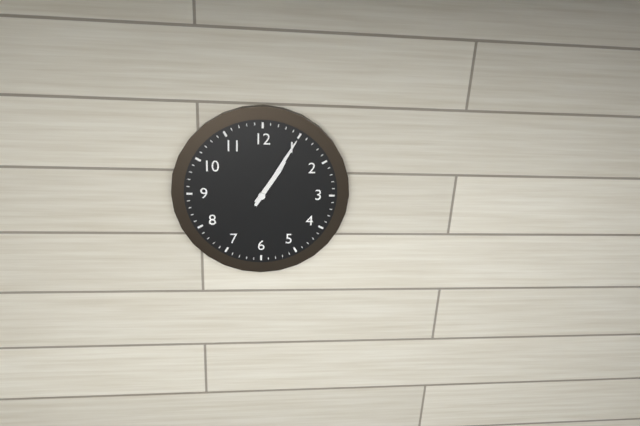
1:05
